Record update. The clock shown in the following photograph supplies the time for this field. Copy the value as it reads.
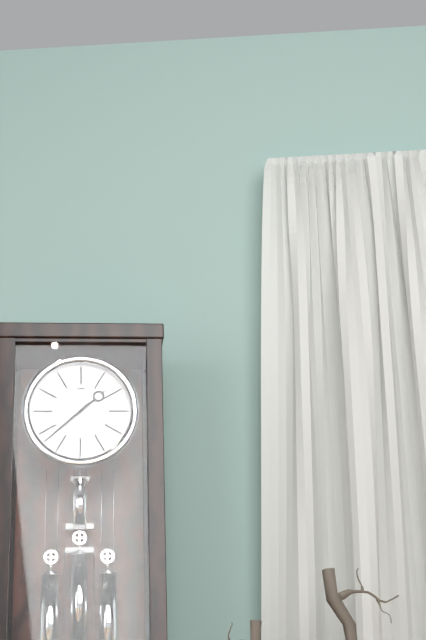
1:38
